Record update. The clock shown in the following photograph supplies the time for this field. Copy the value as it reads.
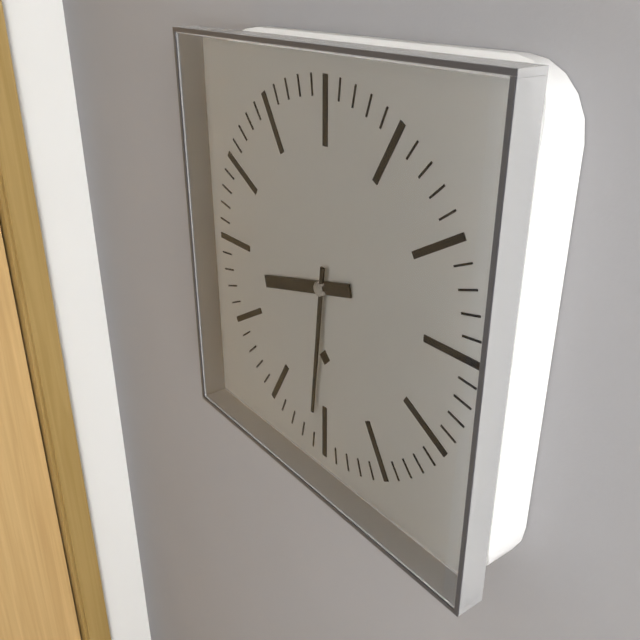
8:31
